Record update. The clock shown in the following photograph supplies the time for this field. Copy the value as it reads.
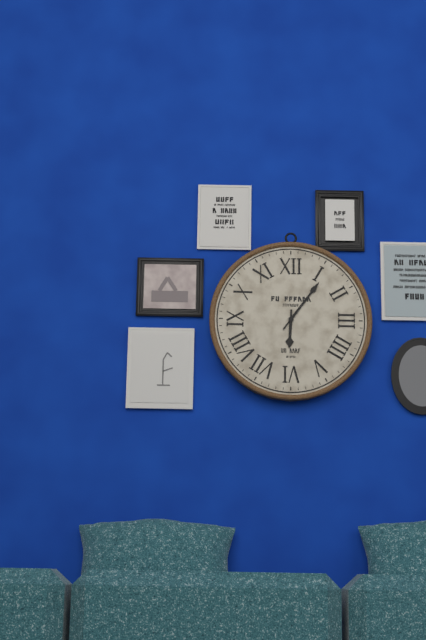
6:06
